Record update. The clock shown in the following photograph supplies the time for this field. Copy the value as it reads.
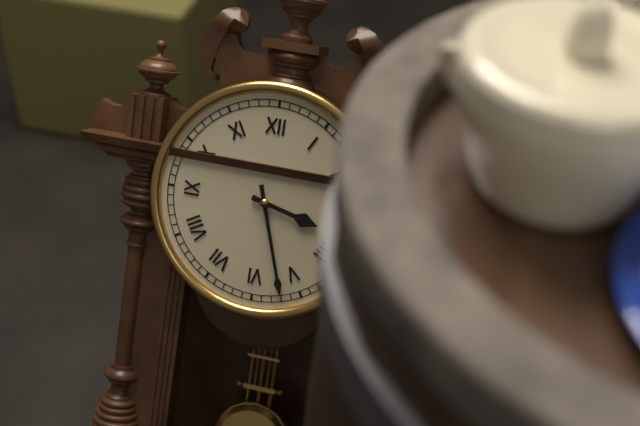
3:27
